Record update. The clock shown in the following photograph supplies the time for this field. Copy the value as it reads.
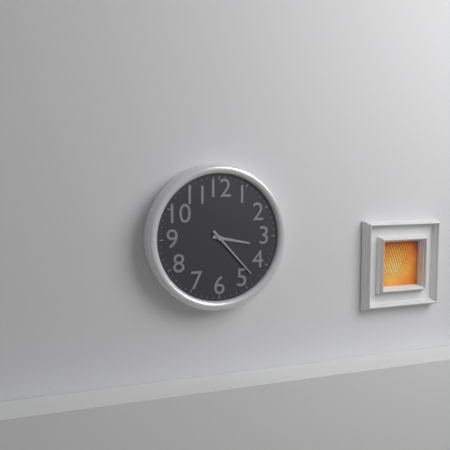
3:23
